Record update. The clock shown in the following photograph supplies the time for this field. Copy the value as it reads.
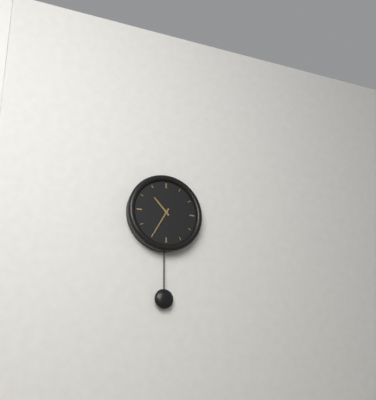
10:35
